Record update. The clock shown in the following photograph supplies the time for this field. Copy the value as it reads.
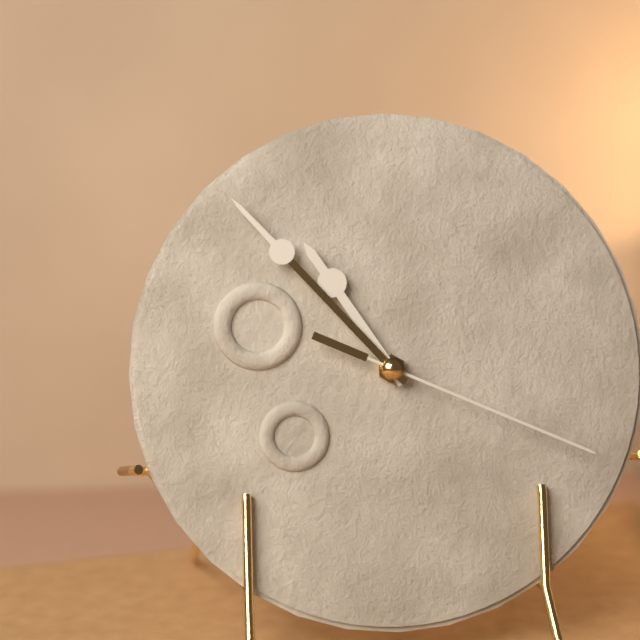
10:53:19
